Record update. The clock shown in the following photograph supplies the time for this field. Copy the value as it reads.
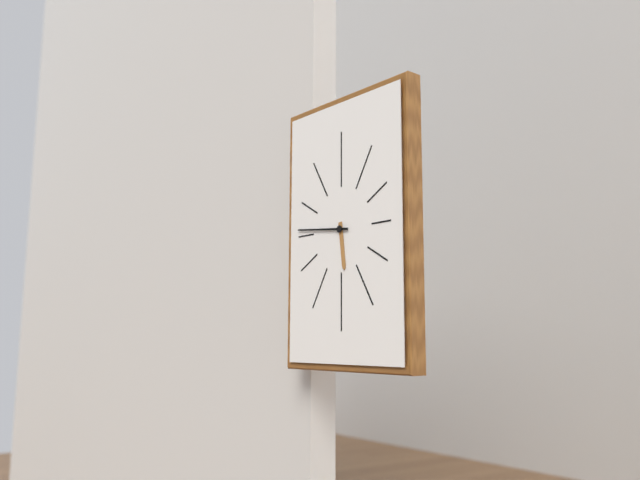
5:46
